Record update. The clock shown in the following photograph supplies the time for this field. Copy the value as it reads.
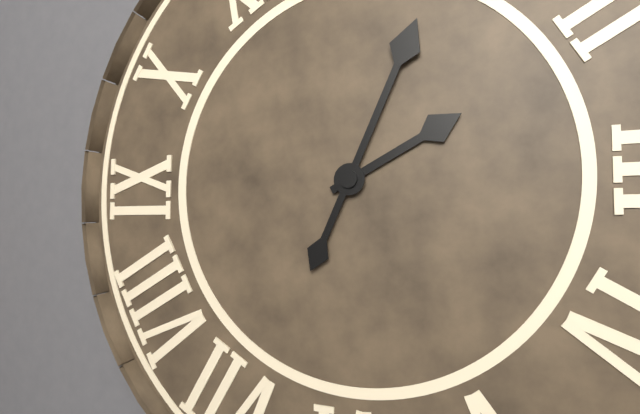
2:04
